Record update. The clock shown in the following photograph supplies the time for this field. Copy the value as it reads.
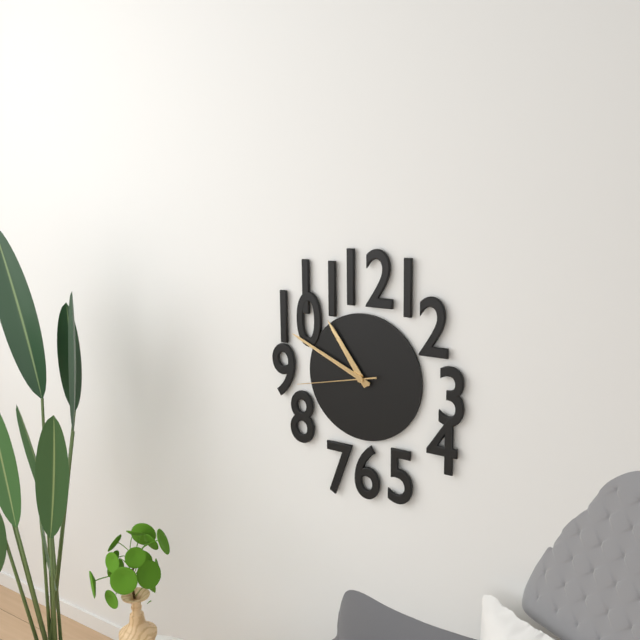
10:49:43
